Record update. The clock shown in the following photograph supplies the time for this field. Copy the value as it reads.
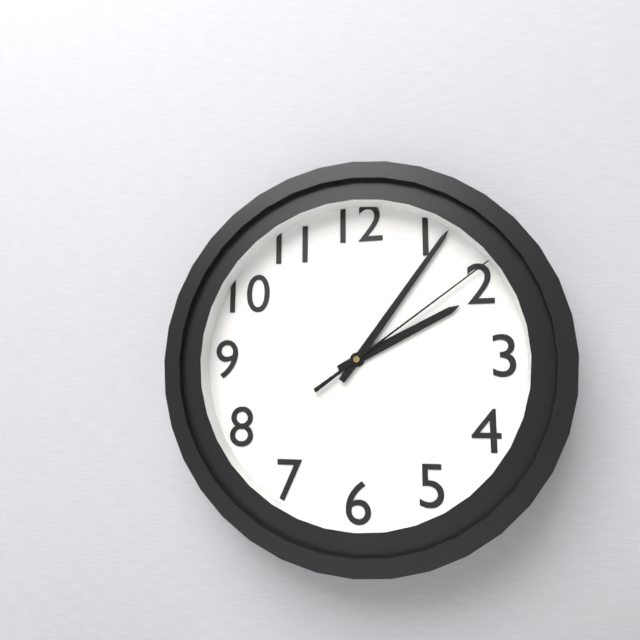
2:06:09
